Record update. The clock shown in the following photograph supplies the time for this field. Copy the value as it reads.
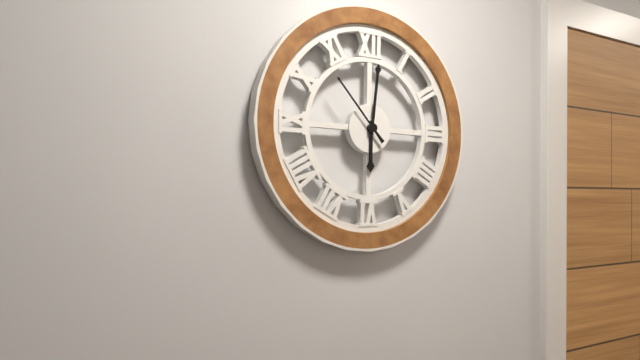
6:01:53
